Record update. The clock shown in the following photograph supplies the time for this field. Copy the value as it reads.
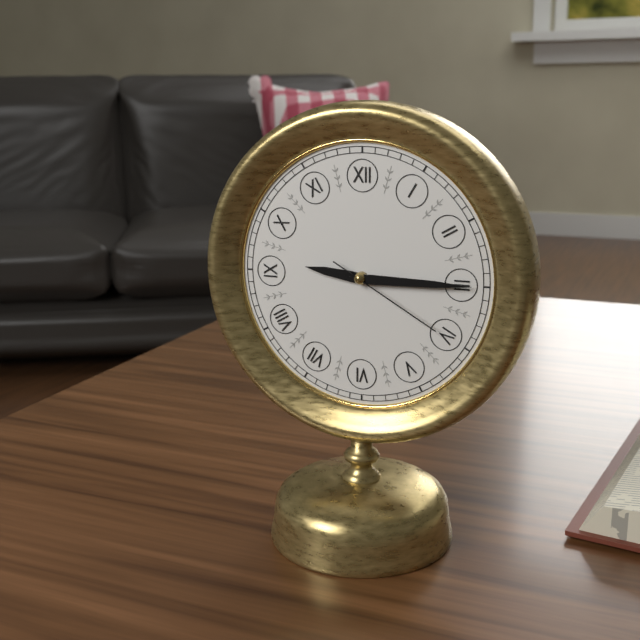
9:15:20
